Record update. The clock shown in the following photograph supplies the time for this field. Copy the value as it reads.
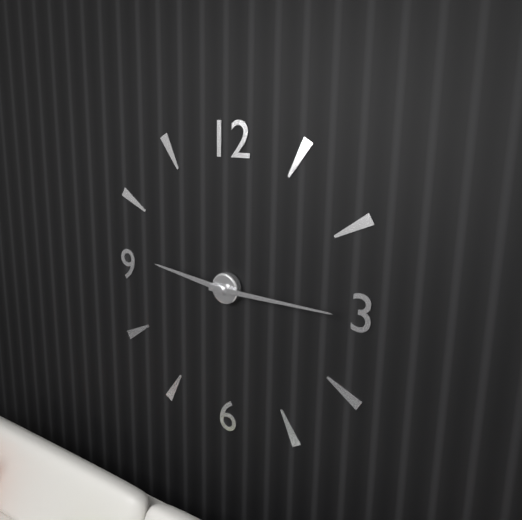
9:15
